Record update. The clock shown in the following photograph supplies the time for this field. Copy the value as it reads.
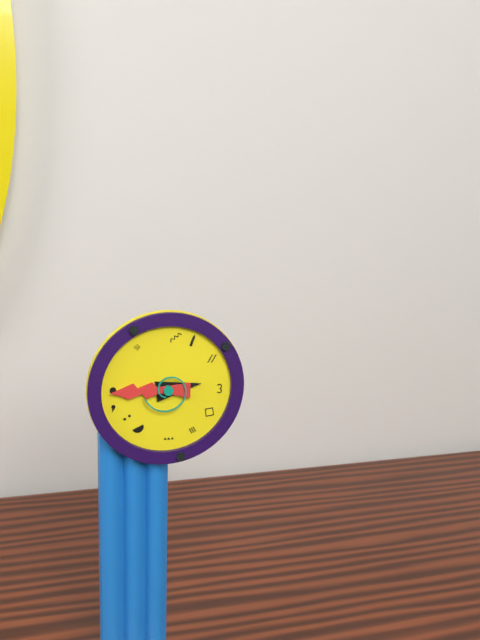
2:45
